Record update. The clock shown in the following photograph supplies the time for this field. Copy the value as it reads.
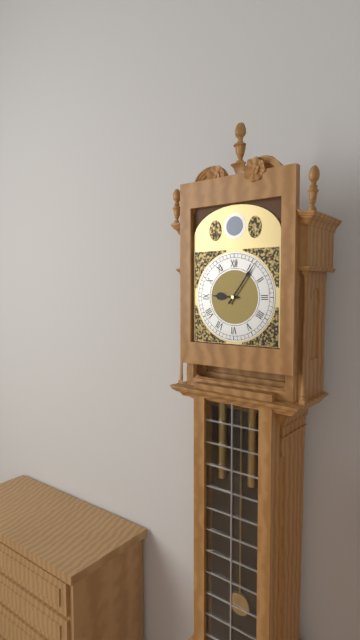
9:06
